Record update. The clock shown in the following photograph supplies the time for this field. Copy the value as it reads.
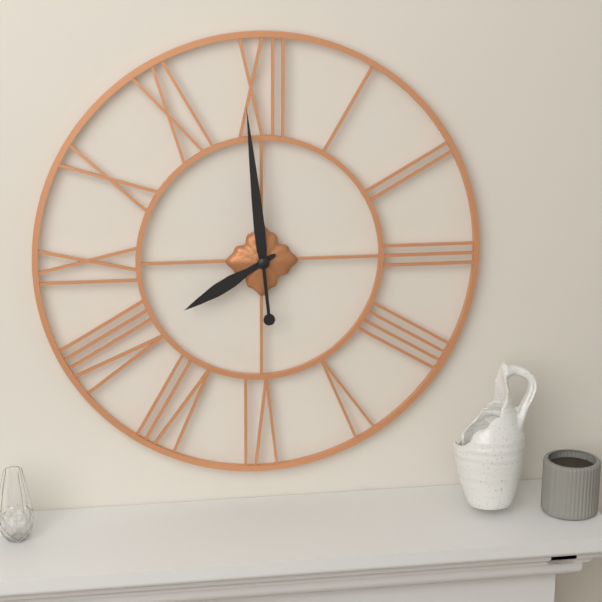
7:59
